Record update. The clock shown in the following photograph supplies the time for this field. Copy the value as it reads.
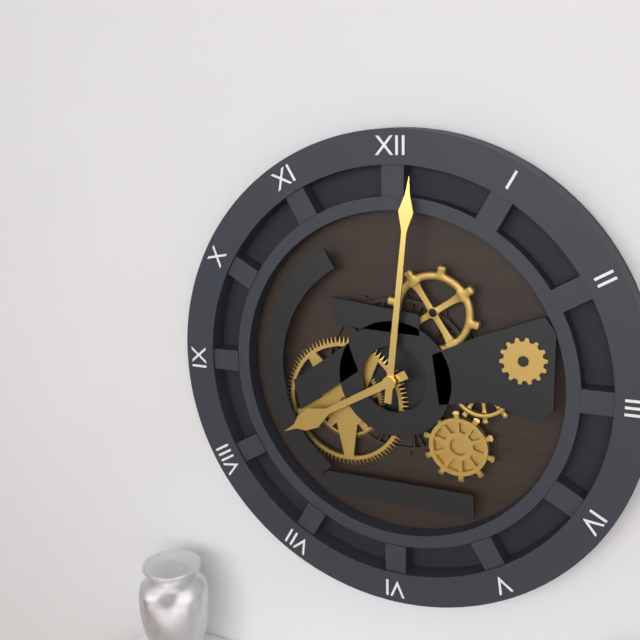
8:01
